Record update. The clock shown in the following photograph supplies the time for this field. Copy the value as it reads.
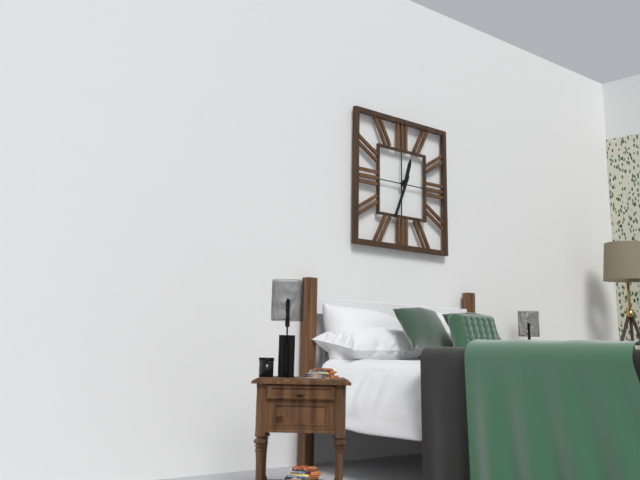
12:34
